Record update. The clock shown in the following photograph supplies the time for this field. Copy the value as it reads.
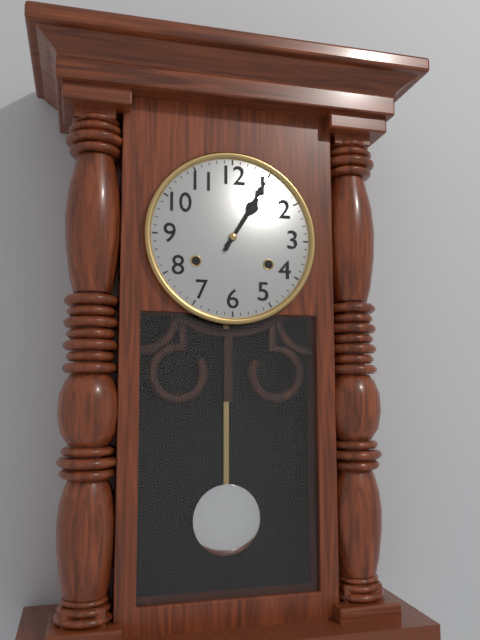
1:05
